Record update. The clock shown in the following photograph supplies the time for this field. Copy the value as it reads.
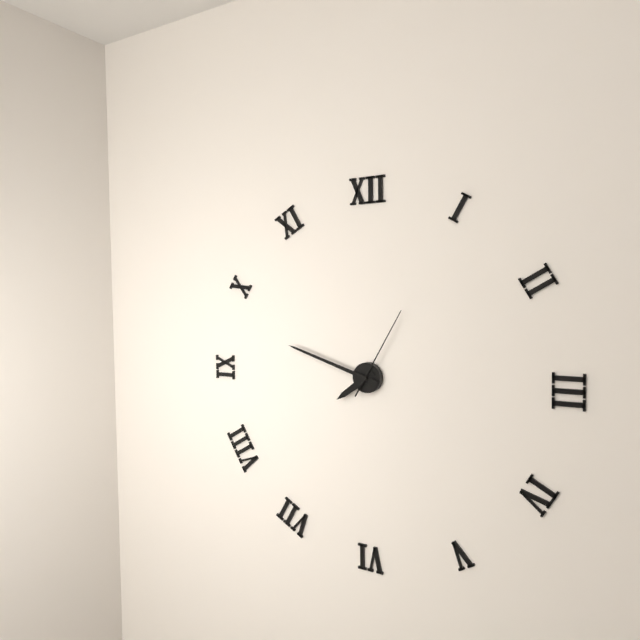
7:48:05
